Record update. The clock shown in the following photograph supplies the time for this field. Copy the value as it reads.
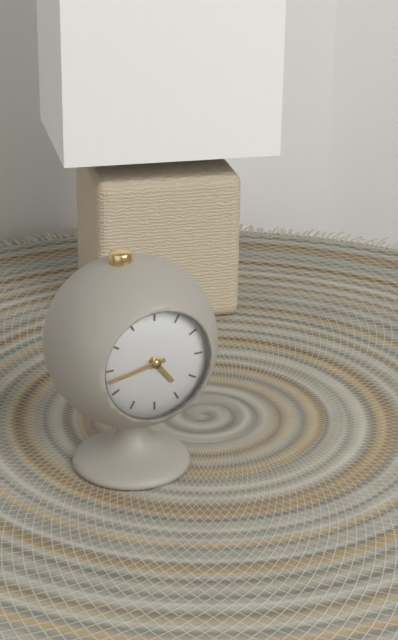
4:43
